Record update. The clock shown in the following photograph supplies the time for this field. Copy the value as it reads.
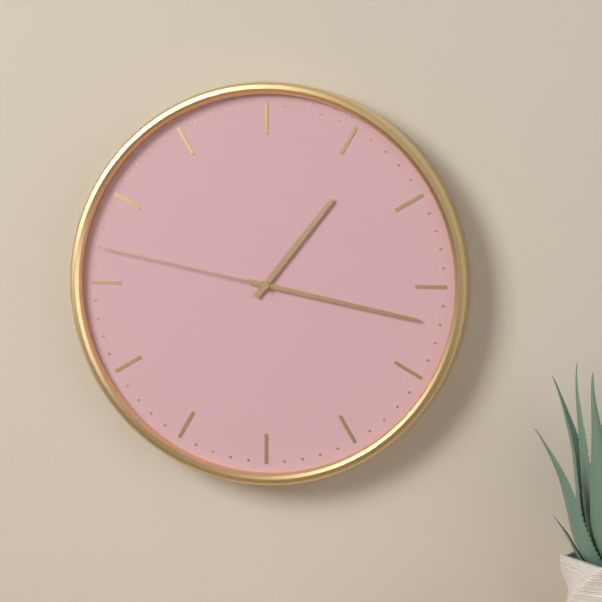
1:17:47
